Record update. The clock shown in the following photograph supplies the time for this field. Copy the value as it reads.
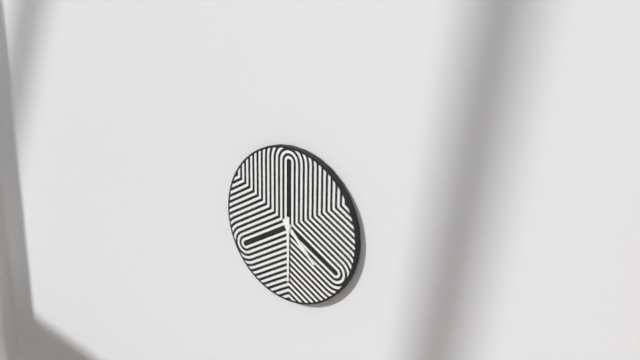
4:30
